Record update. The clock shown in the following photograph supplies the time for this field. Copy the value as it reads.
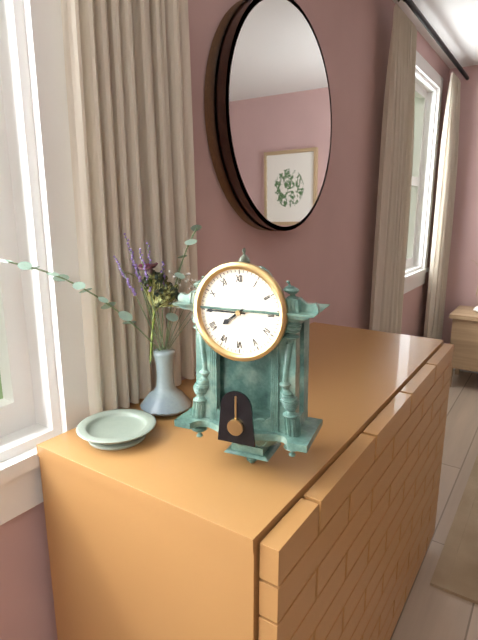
7:45
